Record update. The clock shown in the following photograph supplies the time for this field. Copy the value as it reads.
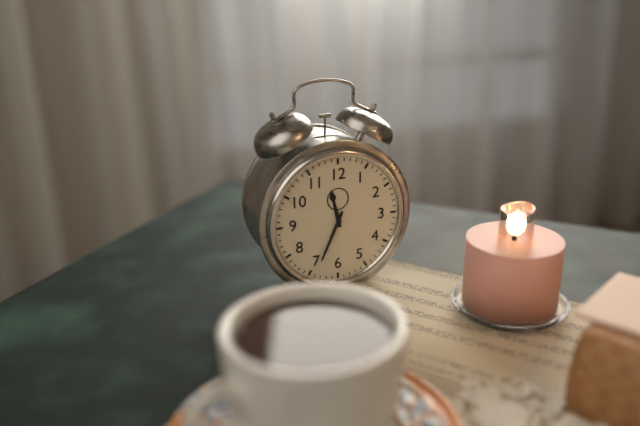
11:34
